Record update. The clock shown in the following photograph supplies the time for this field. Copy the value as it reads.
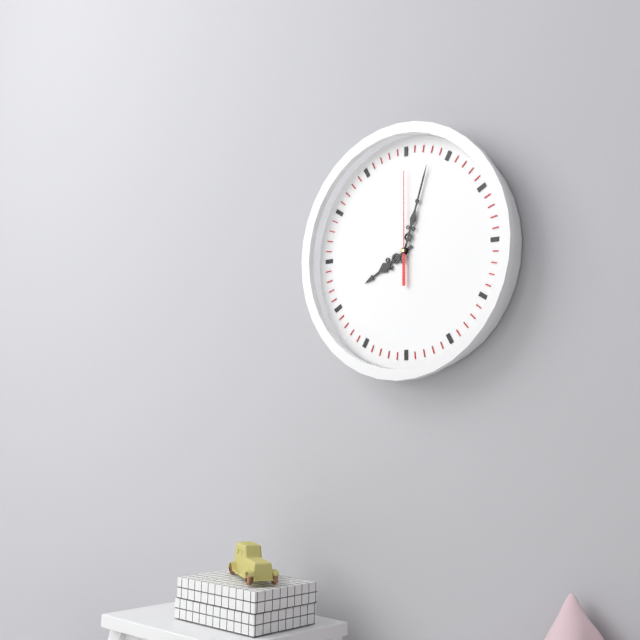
8:03:00
